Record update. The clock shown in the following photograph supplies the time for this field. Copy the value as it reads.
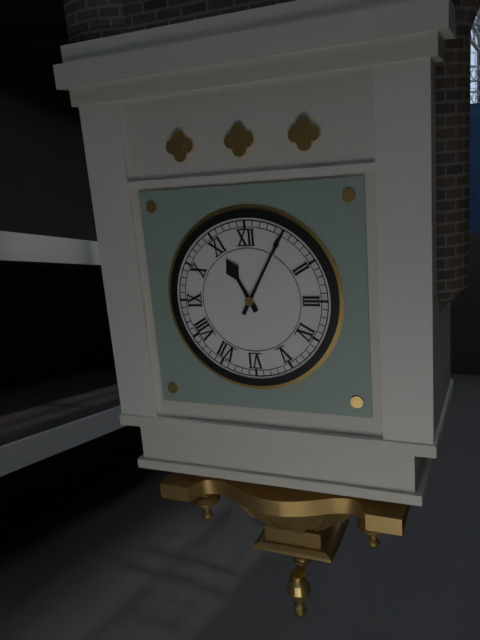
11:05
